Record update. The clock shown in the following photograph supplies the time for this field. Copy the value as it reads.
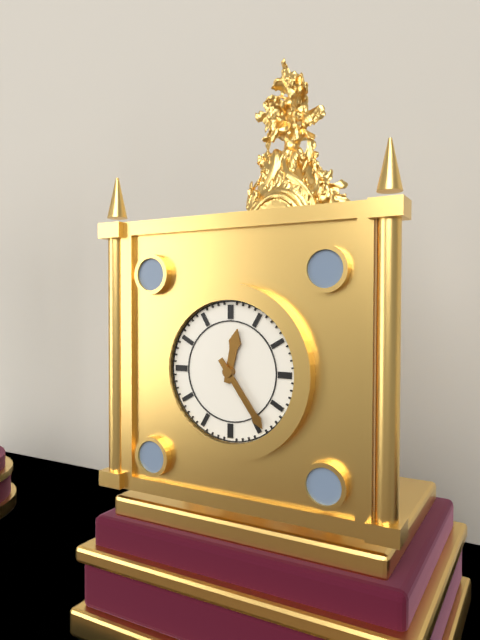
12:24
